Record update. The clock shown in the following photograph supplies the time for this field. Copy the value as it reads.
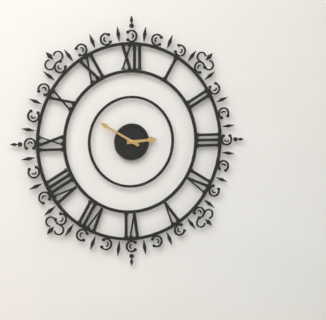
2:50
